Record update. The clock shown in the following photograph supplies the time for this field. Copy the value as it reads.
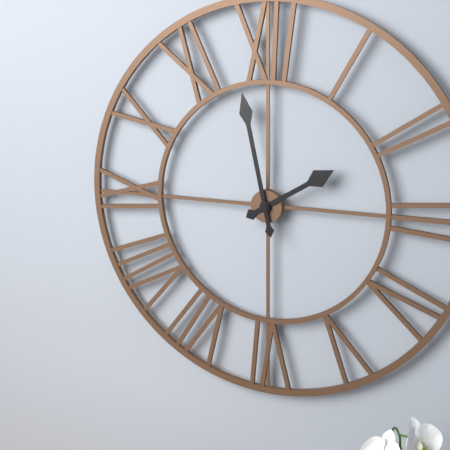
1:58
